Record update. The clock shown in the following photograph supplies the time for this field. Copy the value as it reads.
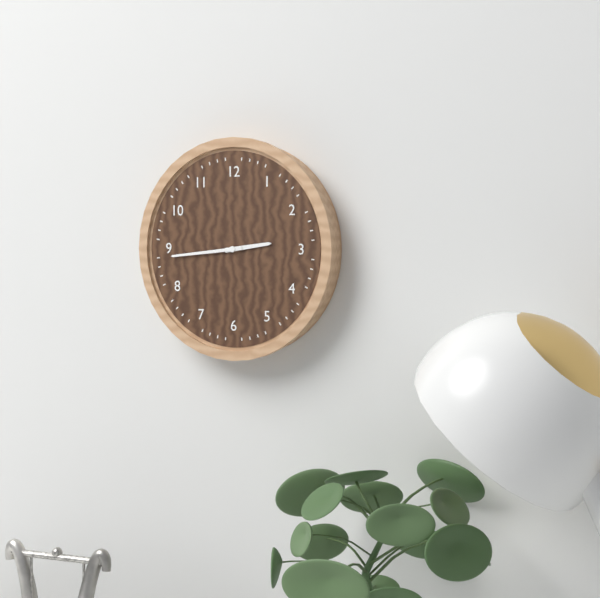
2:44
